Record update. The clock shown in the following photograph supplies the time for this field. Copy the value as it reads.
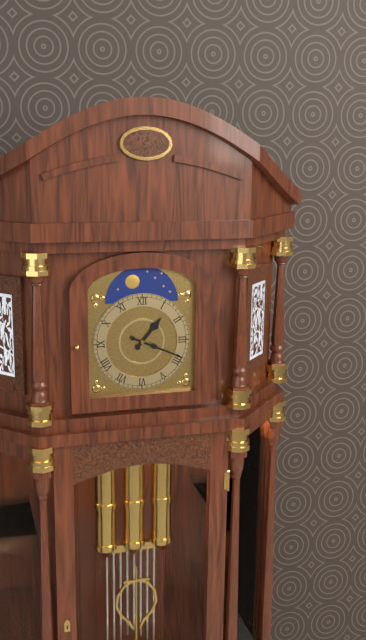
1:19
